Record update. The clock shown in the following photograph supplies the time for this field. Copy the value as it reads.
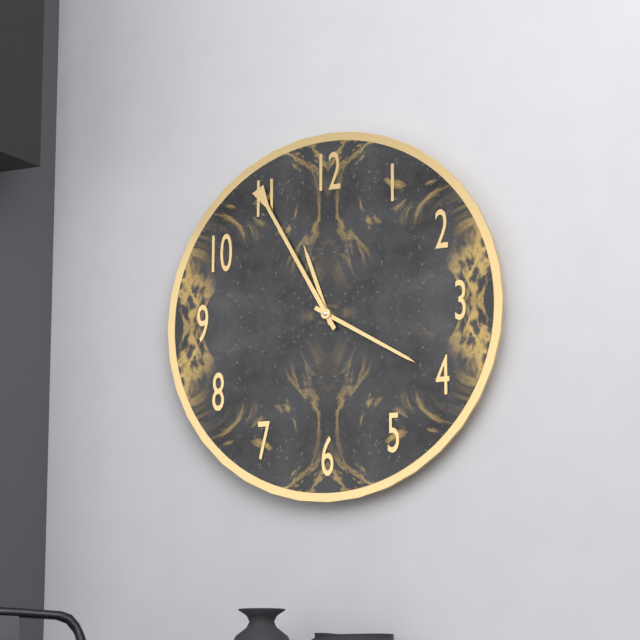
11:20:55
